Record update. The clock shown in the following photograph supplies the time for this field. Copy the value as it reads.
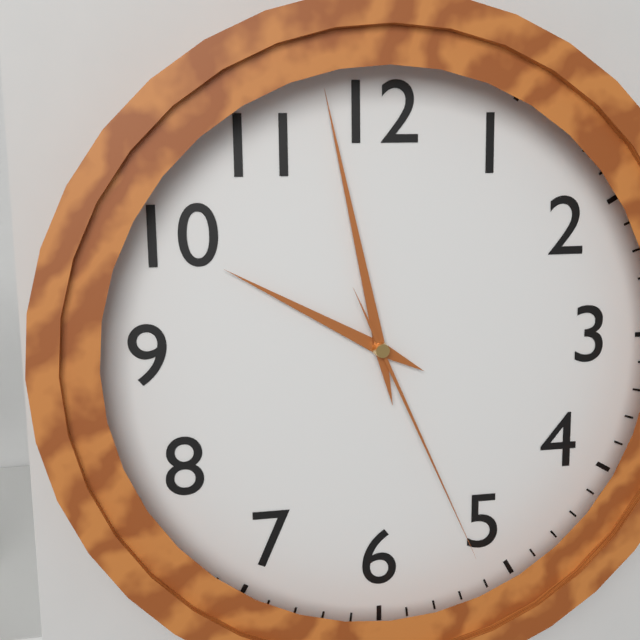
9:58:26
